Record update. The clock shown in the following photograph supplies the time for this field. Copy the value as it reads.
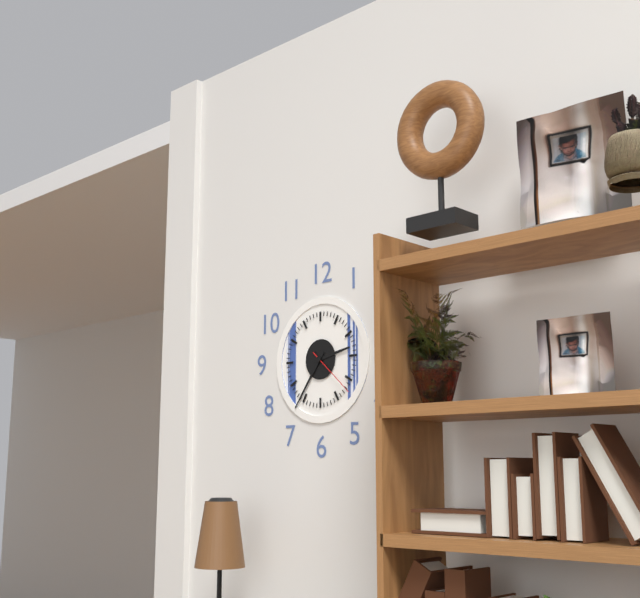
2:36:22
